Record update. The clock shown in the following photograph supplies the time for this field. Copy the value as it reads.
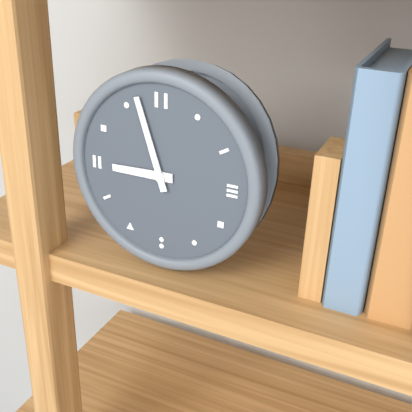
8:57
